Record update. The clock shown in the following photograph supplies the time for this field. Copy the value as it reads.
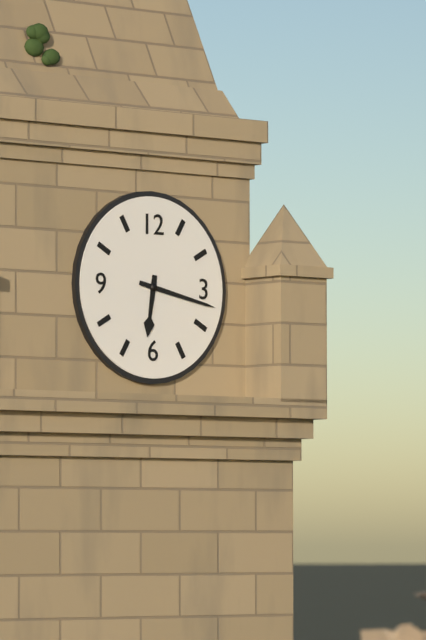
6:17
